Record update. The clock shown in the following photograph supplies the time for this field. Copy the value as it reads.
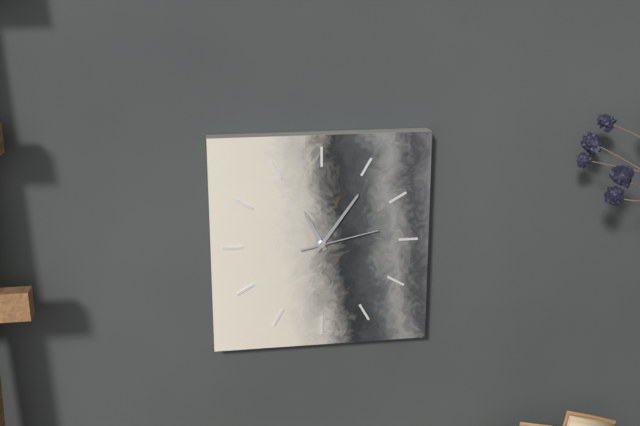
11:06:13
